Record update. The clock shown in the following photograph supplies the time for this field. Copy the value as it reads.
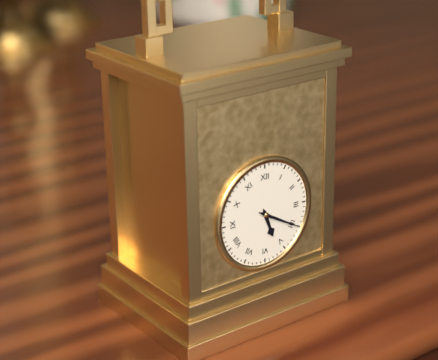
5:20
